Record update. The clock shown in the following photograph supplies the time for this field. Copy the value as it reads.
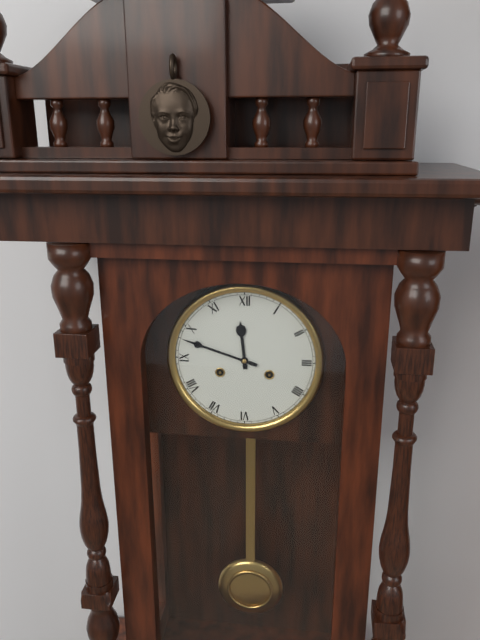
11:48
